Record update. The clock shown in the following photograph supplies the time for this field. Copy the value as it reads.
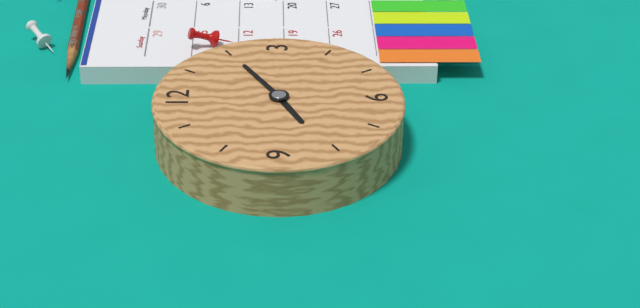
8:10
